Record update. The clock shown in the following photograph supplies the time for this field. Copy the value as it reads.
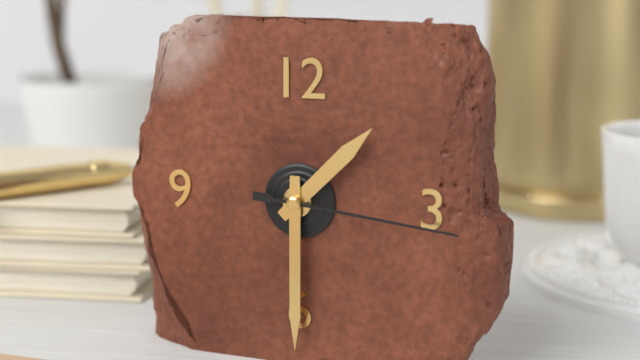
1:30:16
